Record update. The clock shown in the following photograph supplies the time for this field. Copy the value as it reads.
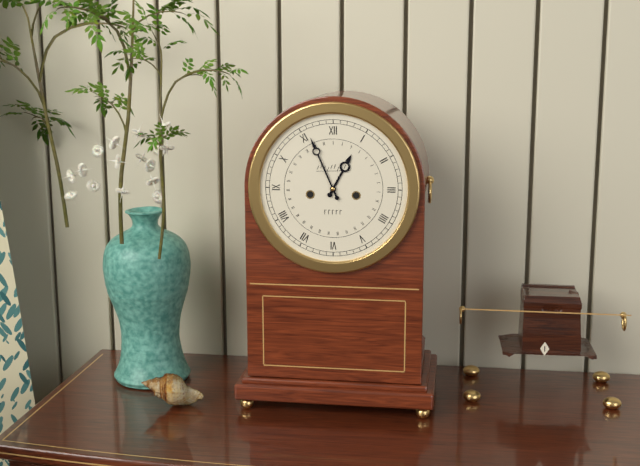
12:56
